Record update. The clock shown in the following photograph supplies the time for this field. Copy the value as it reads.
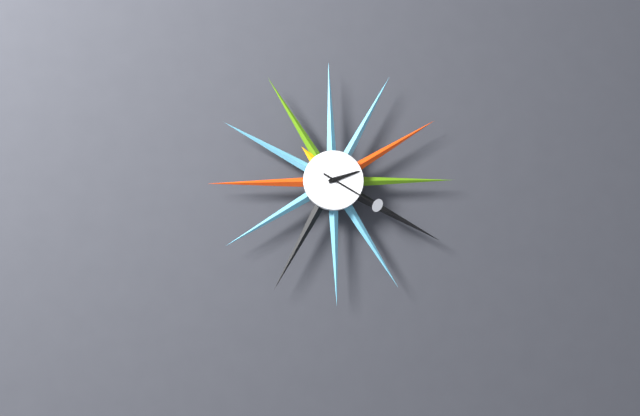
2:20
